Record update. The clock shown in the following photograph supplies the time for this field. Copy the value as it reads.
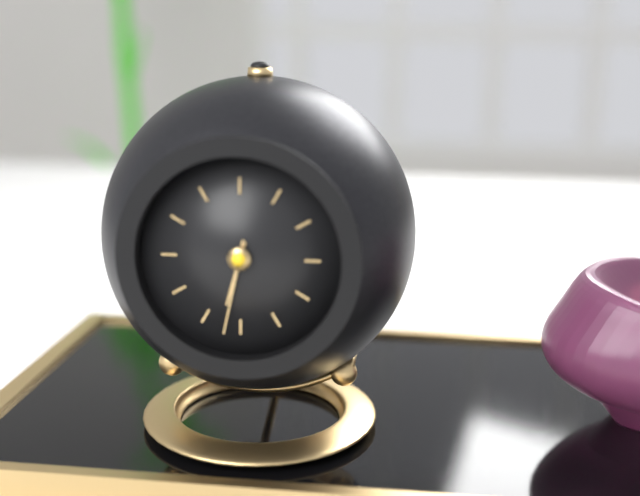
6:32
